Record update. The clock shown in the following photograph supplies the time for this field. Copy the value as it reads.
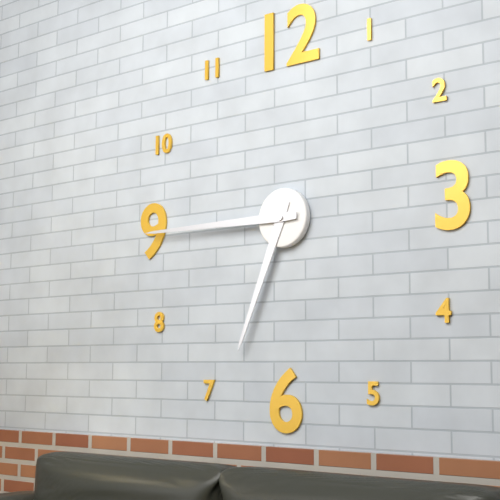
6:45
